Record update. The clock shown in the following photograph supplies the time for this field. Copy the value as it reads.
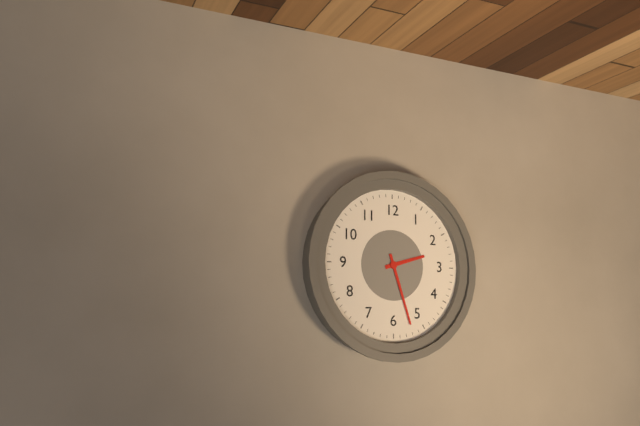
2:27
